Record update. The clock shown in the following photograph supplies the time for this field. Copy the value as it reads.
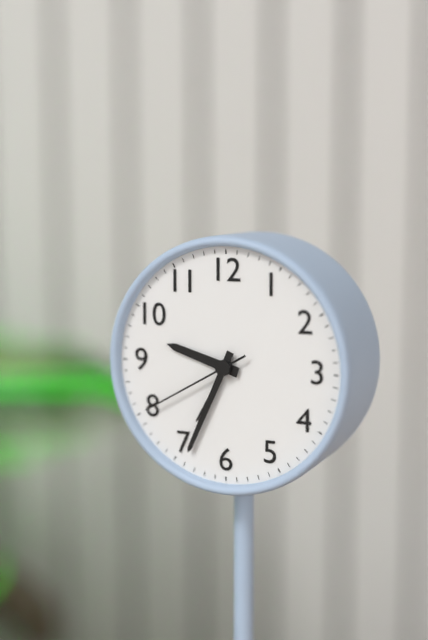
9:34:40
